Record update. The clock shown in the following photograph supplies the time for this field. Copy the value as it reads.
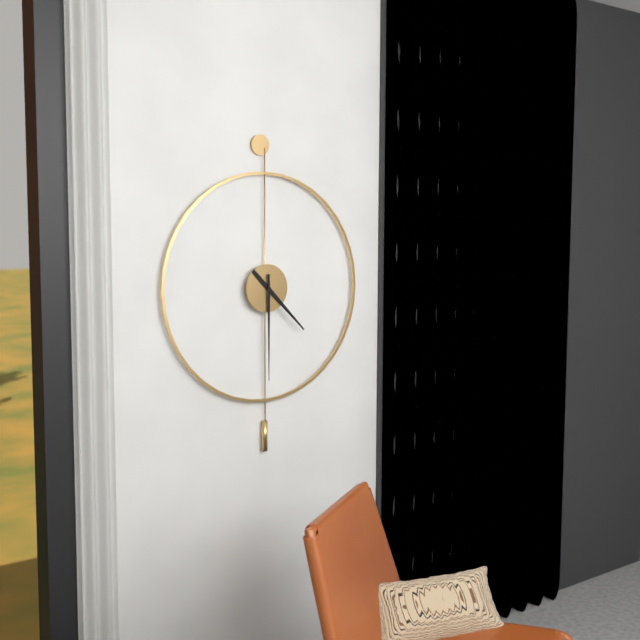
4:30
